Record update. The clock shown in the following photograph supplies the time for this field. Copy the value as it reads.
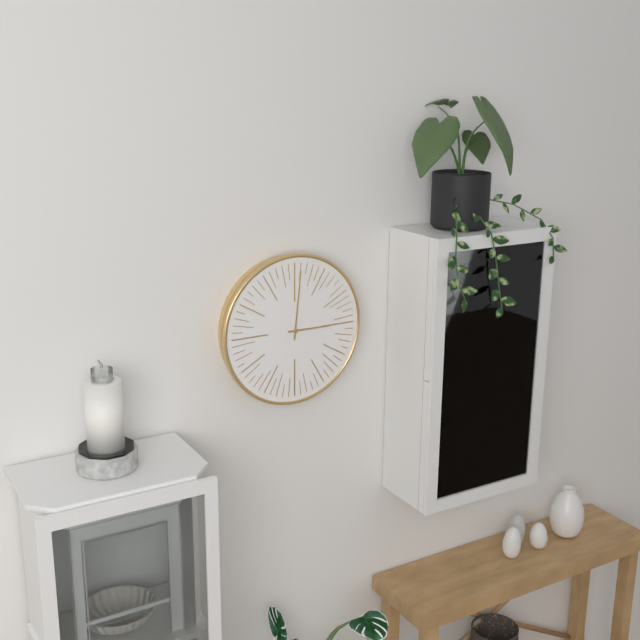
3:01
